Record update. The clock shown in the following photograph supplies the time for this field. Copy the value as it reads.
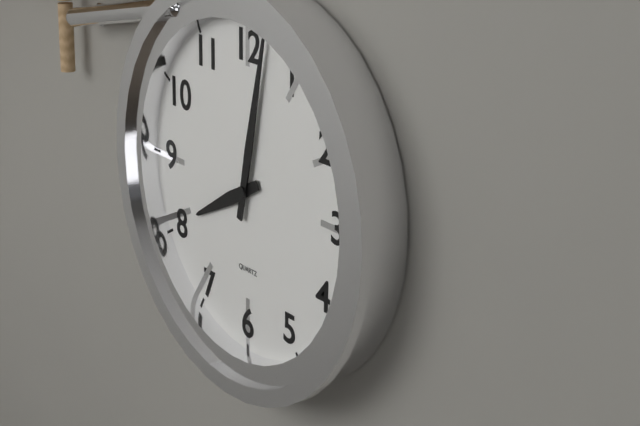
8:02
